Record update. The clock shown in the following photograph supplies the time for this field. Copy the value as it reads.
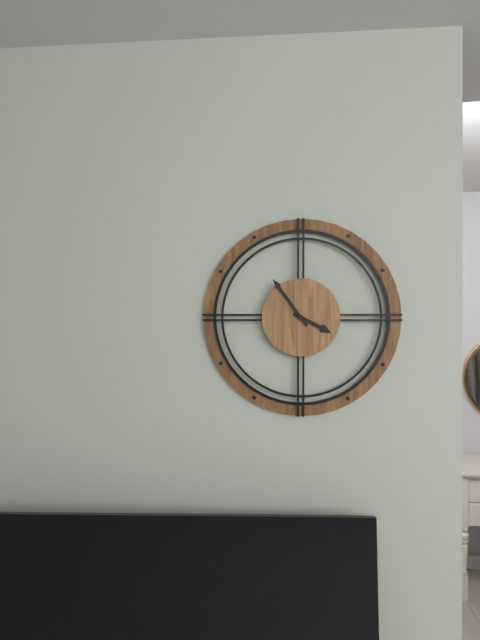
3:54
